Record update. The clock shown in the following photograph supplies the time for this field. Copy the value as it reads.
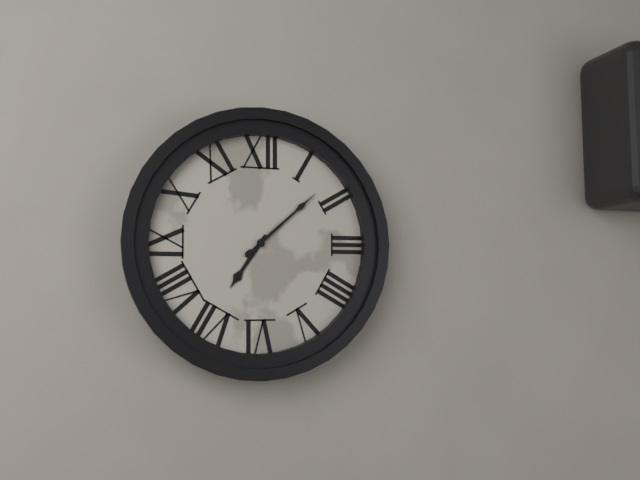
7:08
